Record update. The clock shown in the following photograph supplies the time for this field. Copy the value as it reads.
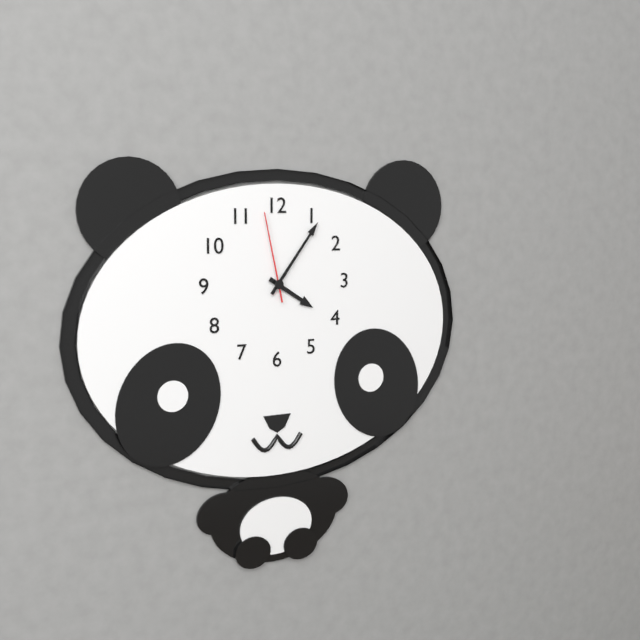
4:06:58
